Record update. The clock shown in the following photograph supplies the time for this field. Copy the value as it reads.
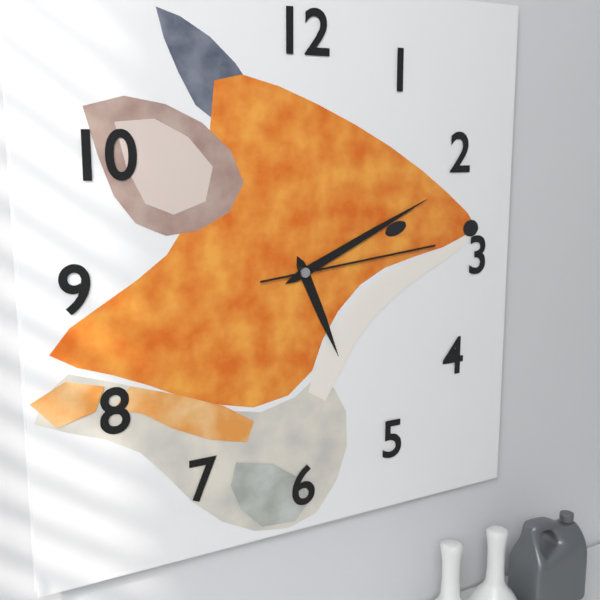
5:11:14
